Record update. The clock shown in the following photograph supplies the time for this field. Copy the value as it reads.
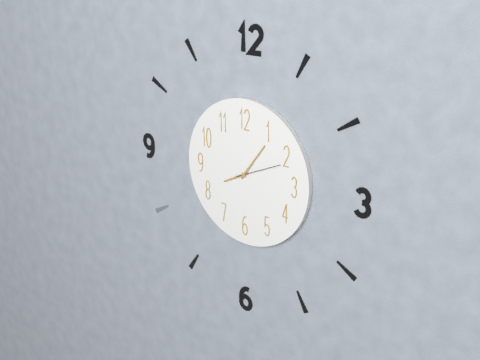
8:06
